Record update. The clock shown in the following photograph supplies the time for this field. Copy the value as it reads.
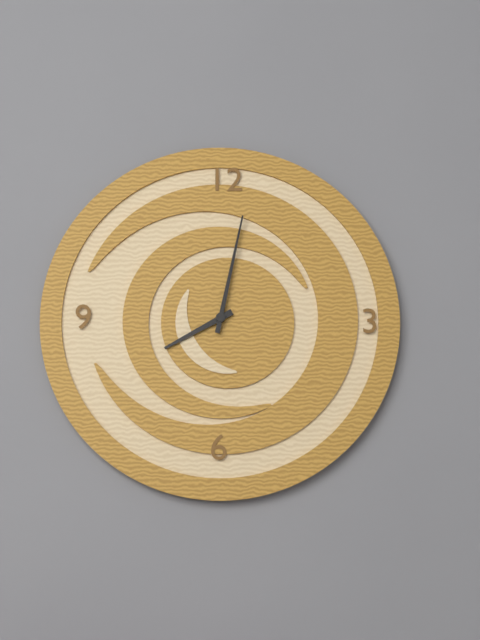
8:02
